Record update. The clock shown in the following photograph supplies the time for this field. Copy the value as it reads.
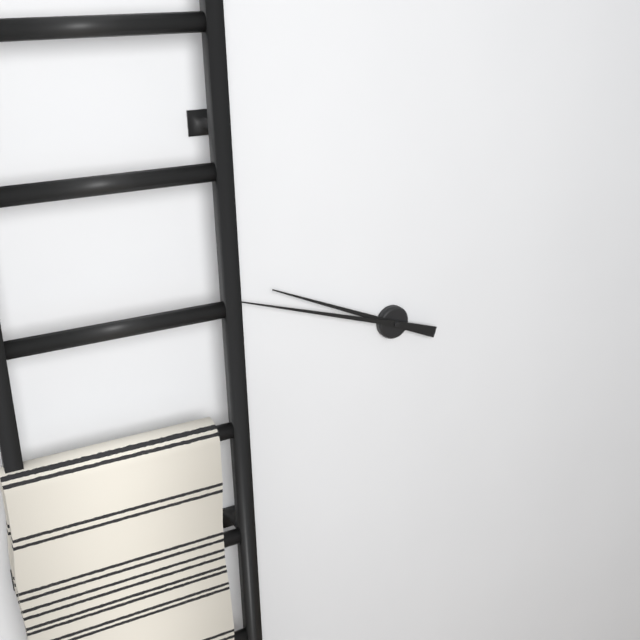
9:48
